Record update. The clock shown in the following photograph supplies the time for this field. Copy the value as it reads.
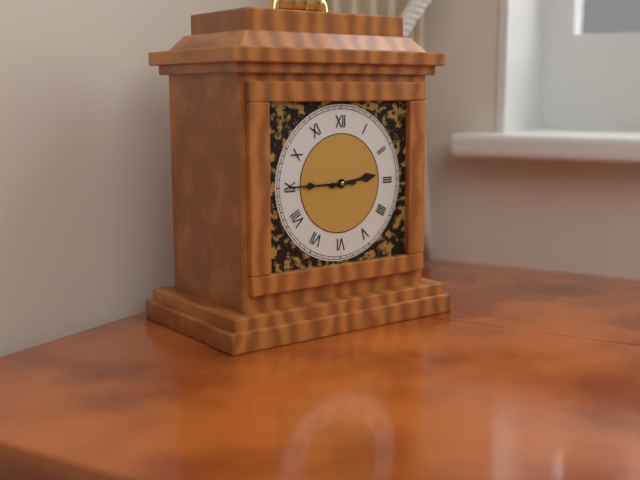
2:45
